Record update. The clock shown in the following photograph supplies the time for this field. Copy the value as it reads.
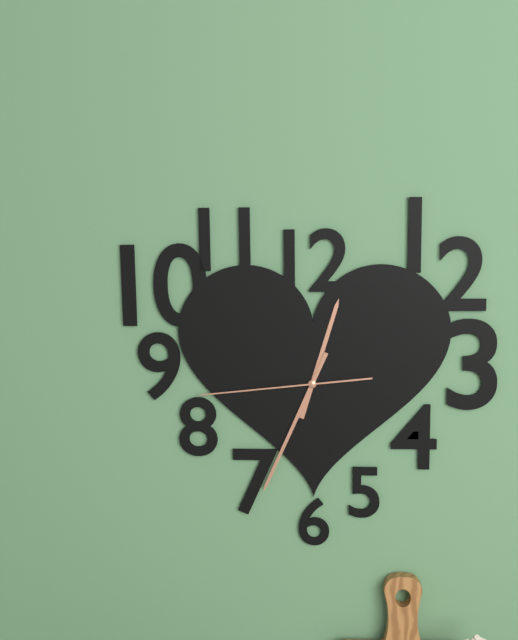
12:34:44
